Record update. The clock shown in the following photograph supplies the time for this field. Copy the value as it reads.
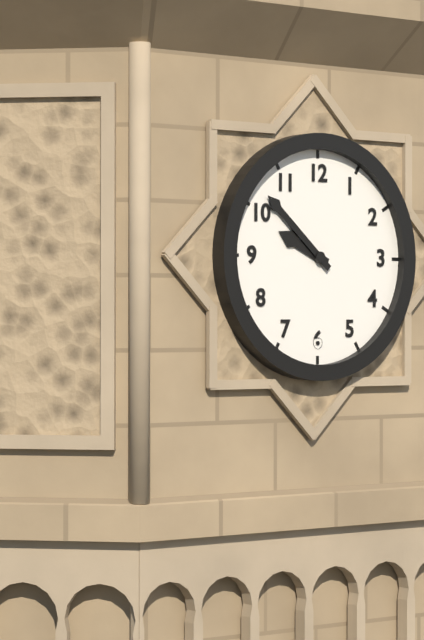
9:52
